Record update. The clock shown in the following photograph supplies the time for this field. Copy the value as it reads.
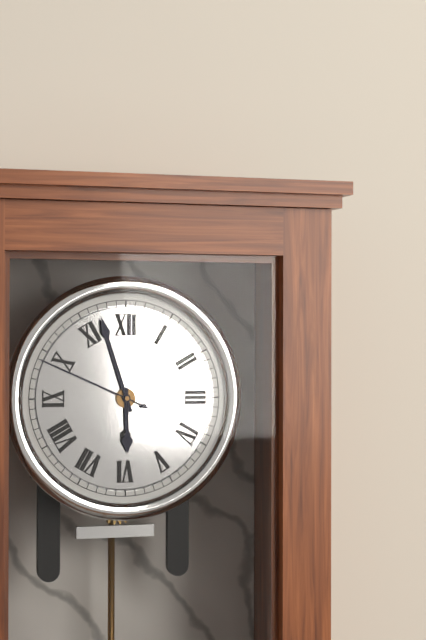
5:57:49
